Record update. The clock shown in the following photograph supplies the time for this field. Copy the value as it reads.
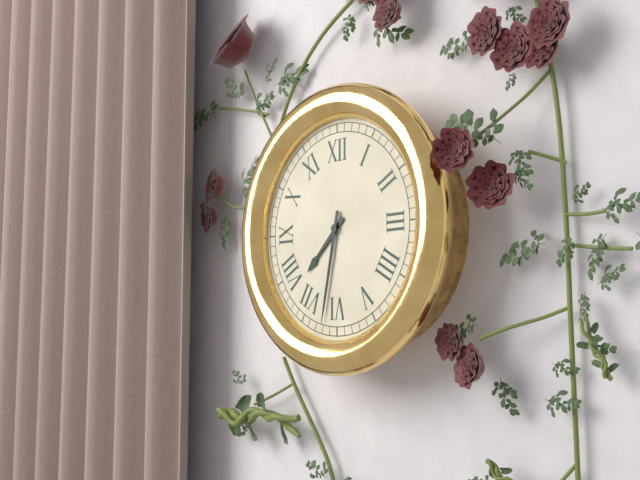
7:32
